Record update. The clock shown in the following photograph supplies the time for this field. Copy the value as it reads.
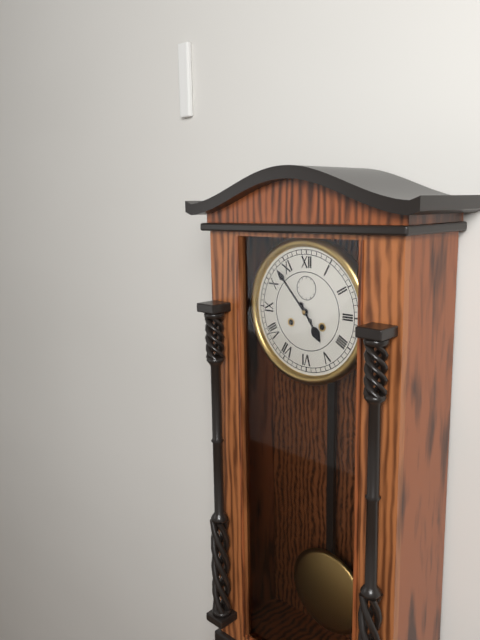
4:53
